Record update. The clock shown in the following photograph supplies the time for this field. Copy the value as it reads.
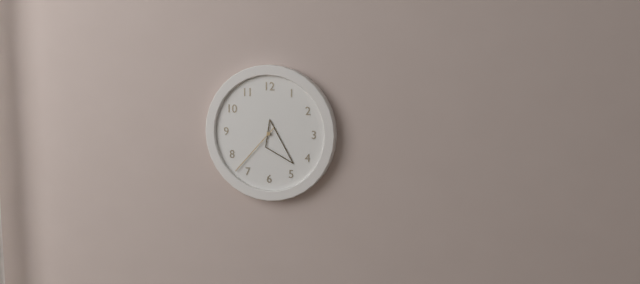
4:37
